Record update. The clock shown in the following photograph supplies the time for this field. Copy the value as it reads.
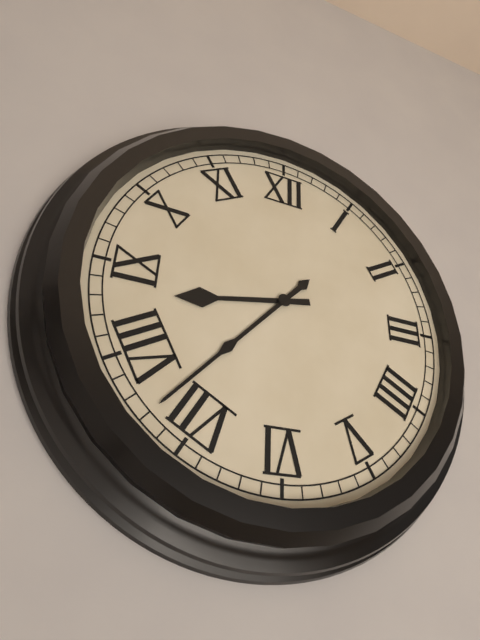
8:37
